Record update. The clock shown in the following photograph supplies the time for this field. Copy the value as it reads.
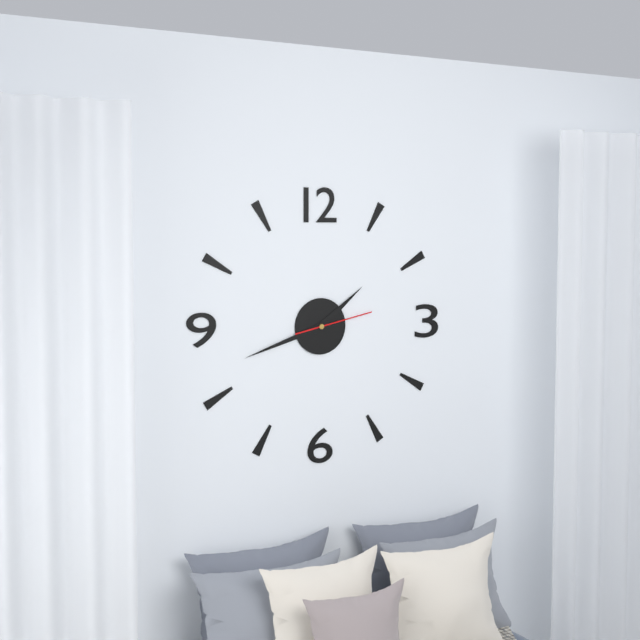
1:42:13
